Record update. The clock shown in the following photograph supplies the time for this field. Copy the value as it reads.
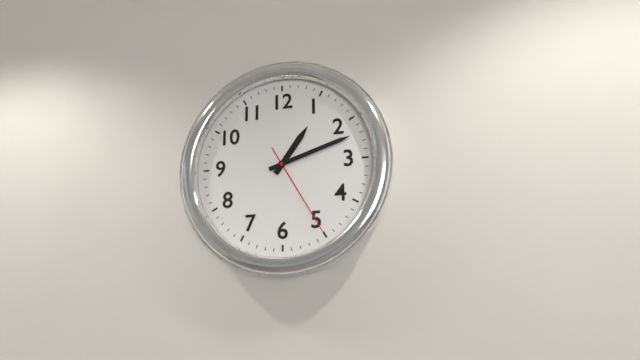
1:12:25
